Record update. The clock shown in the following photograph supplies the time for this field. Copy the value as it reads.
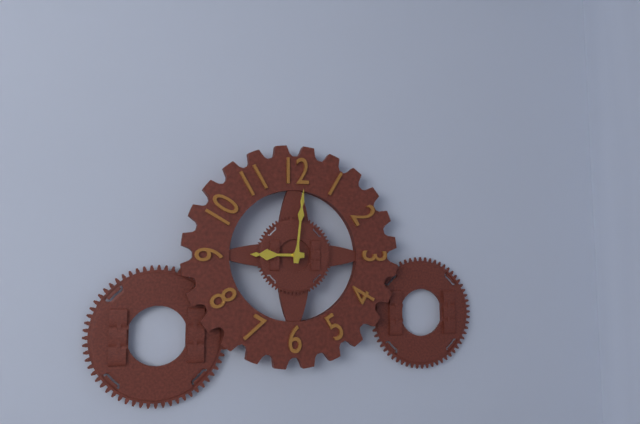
9:01
